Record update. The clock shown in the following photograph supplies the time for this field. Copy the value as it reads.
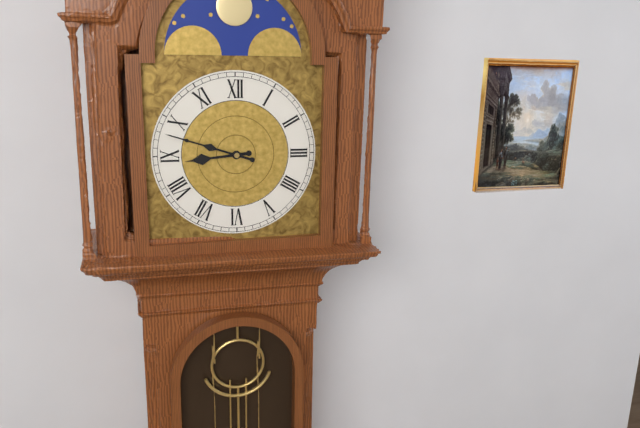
8:48
